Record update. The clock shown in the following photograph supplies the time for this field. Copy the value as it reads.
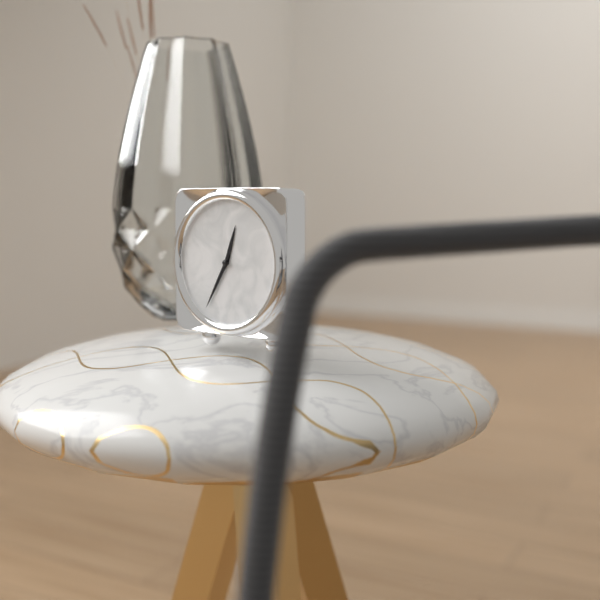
12:35
